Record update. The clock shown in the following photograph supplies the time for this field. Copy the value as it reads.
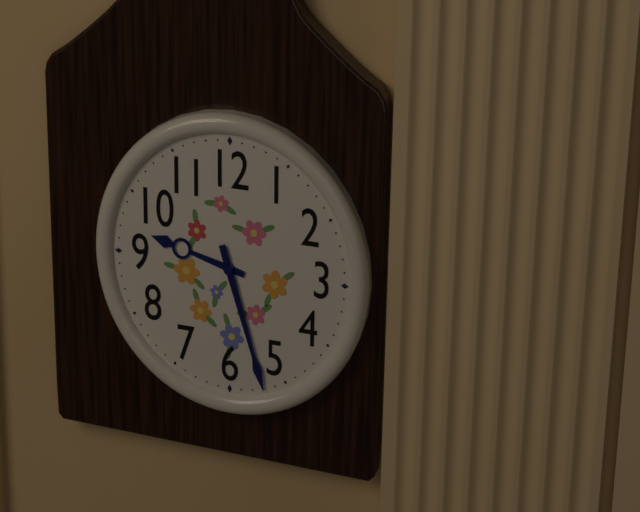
9:27
